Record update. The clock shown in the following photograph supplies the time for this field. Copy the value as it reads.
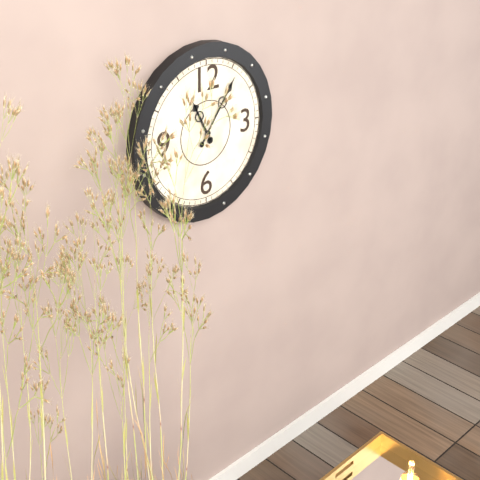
11:06
